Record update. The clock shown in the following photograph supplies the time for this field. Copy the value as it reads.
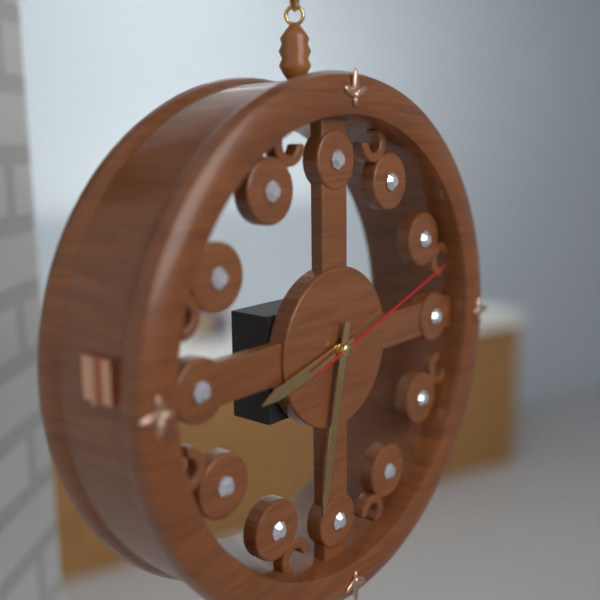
8:32:12
